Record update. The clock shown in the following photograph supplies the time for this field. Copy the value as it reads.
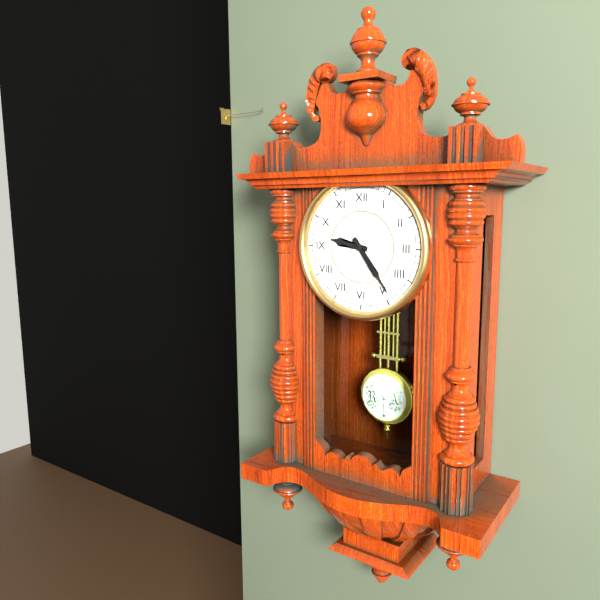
9:24
